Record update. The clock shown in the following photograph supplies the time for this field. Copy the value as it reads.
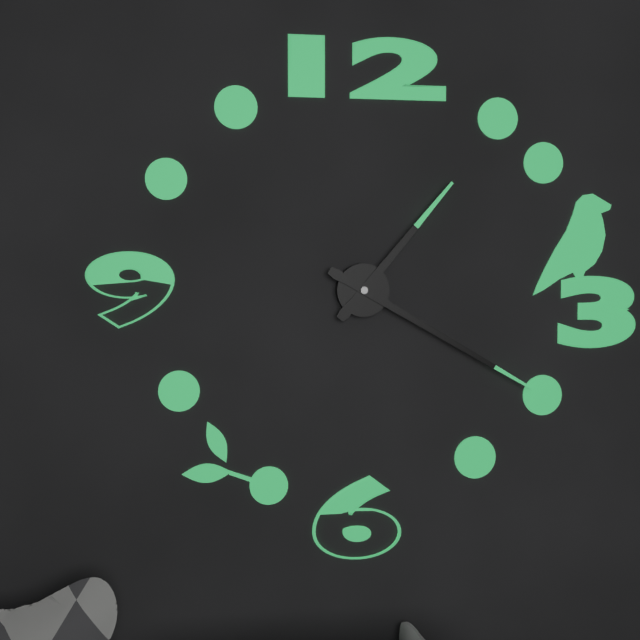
1:20
